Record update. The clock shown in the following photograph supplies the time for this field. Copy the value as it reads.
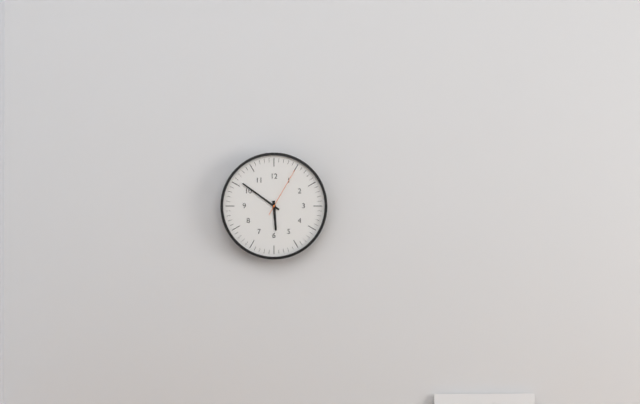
5:51:05
